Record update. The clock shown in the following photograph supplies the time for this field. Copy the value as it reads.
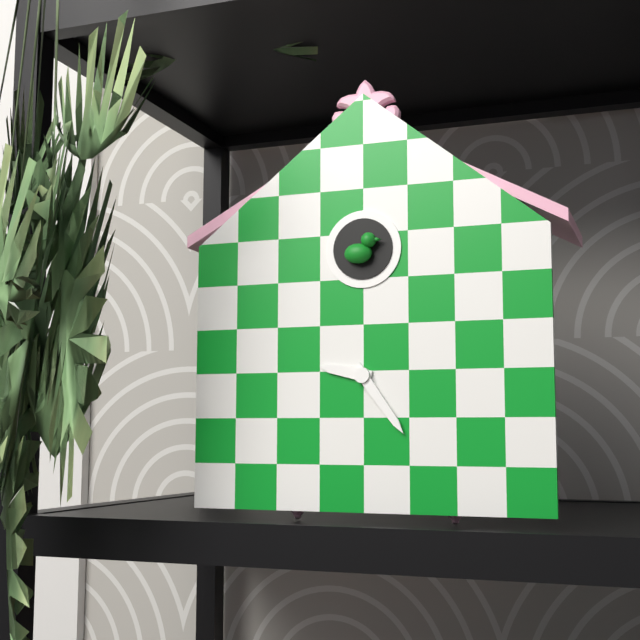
9:24
